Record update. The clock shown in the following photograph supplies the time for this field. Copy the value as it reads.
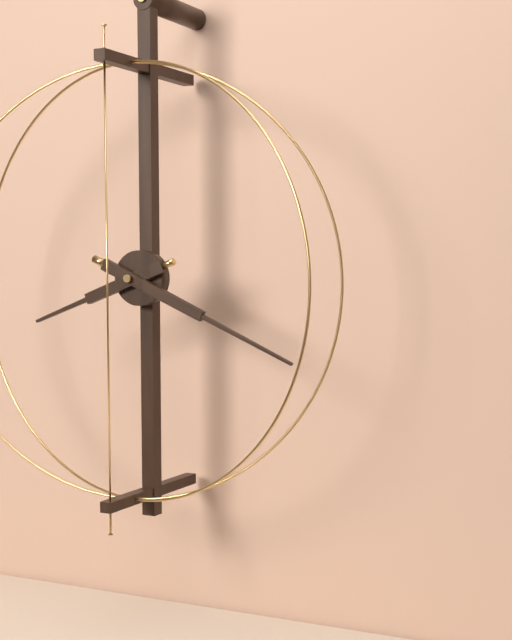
8:19
